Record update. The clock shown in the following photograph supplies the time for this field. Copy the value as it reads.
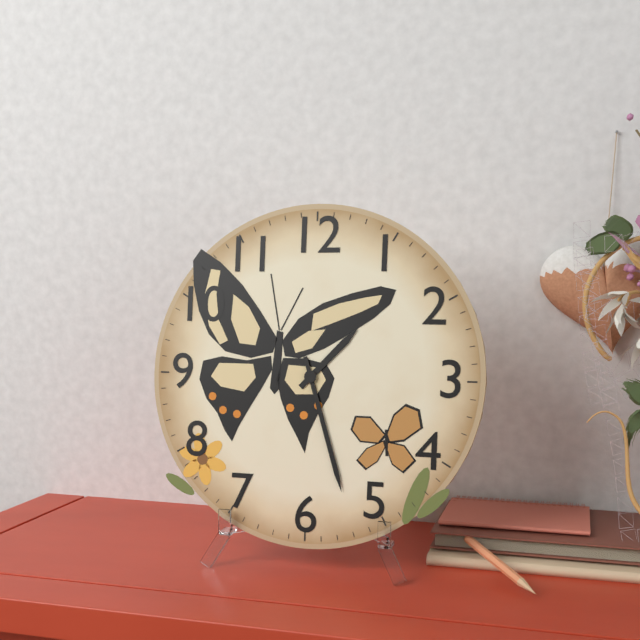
1:27
